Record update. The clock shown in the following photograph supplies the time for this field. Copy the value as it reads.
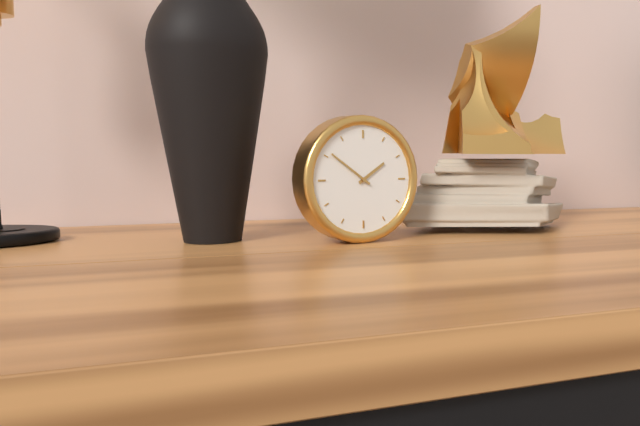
1:51
